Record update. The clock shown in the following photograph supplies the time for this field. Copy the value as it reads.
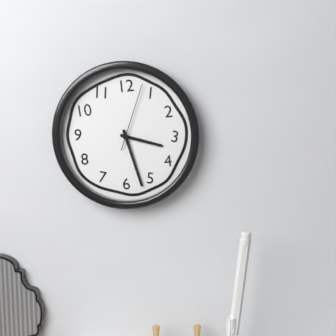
3:27:03
